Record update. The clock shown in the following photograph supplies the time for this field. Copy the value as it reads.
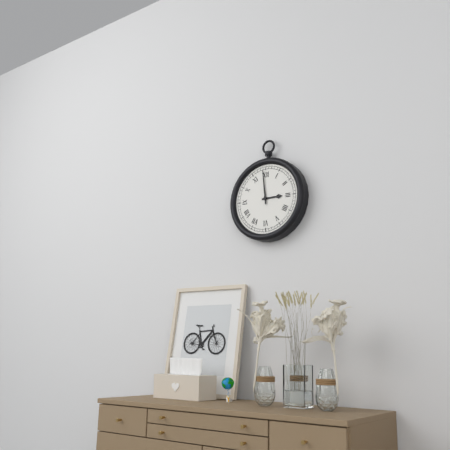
2:59
